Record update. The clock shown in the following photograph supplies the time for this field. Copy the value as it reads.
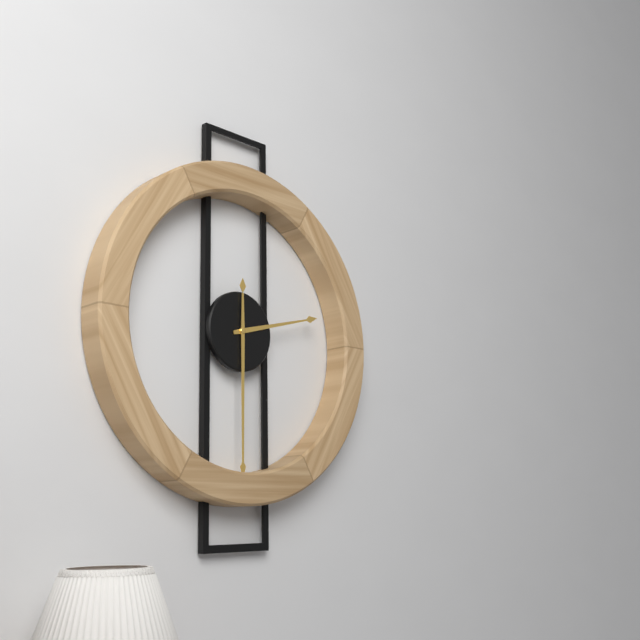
2:30
